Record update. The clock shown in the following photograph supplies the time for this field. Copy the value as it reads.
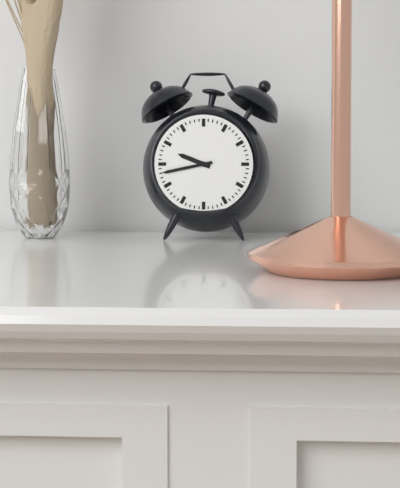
9:43
